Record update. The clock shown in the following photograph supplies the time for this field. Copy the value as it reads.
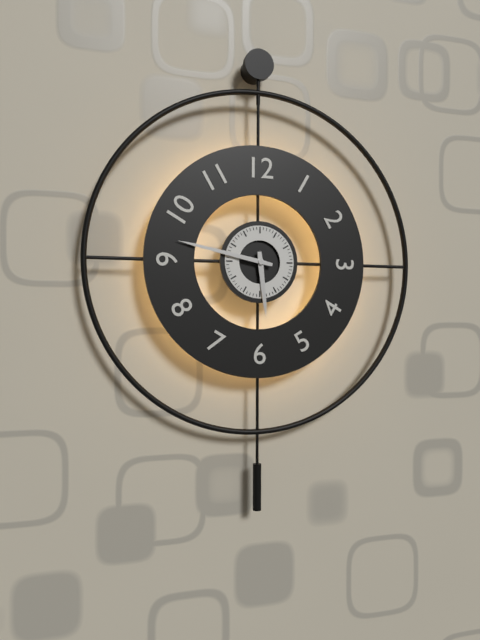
5:47
